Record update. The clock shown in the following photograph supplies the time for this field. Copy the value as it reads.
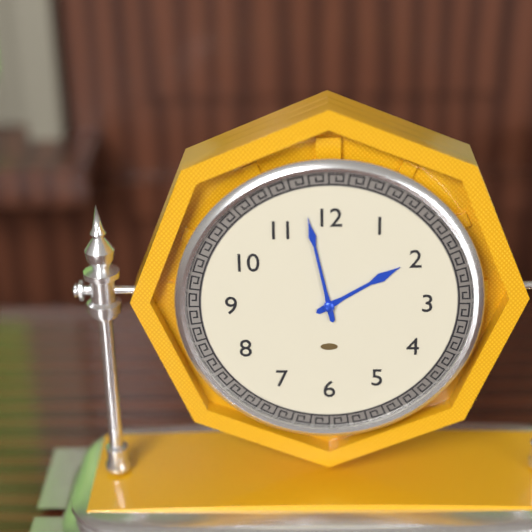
1:58
